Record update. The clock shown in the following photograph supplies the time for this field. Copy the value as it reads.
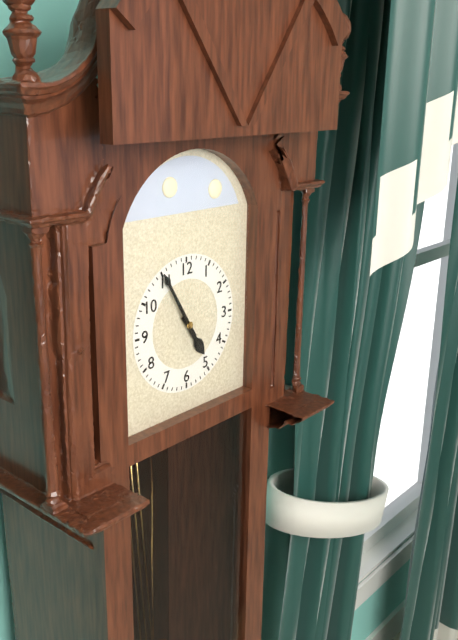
4:55
